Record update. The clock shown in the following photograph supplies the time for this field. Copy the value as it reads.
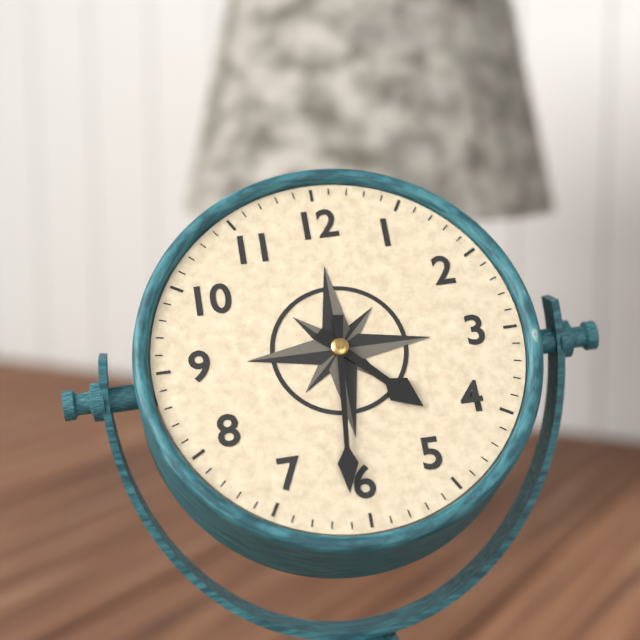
4:31
